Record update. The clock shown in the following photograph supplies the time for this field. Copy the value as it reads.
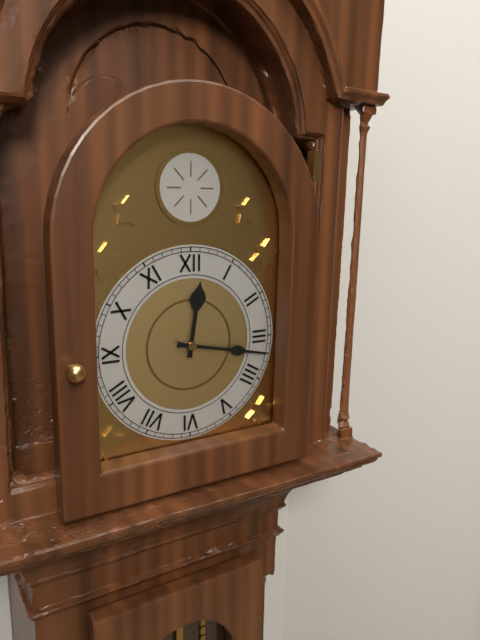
12:17
